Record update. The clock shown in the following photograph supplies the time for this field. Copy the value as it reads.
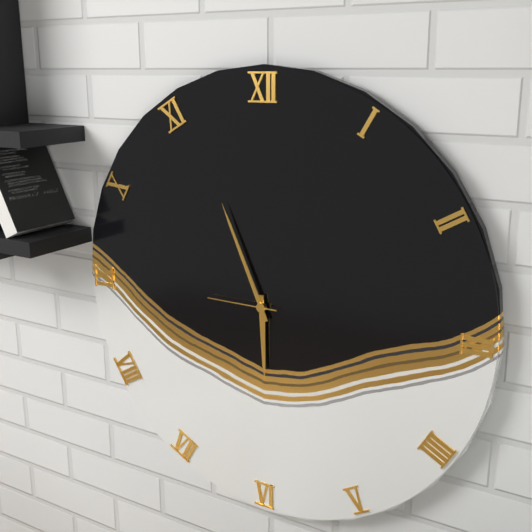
5:56:45
